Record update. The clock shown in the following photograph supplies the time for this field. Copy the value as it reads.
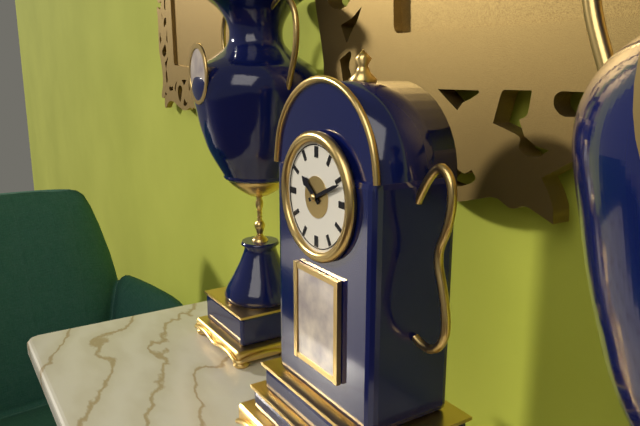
10:11
